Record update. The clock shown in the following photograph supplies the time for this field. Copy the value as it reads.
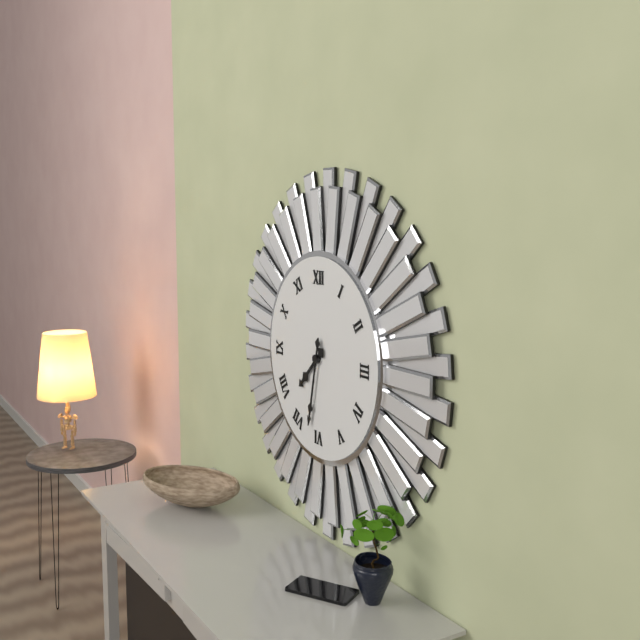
7:32
